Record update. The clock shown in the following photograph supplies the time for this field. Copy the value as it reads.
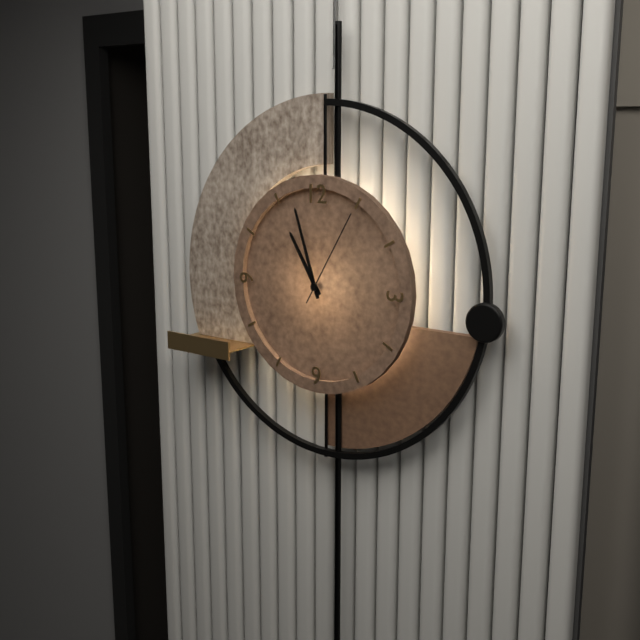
10:57:05
